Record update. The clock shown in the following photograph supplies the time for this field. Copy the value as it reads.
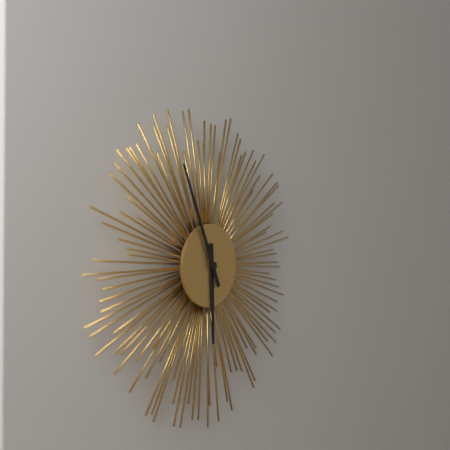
5:56
